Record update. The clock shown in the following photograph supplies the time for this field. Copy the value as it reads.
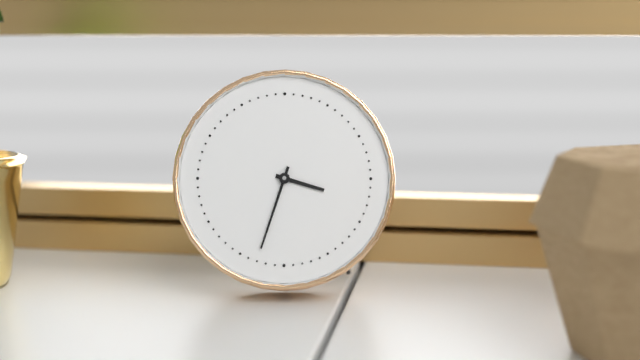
3:33
